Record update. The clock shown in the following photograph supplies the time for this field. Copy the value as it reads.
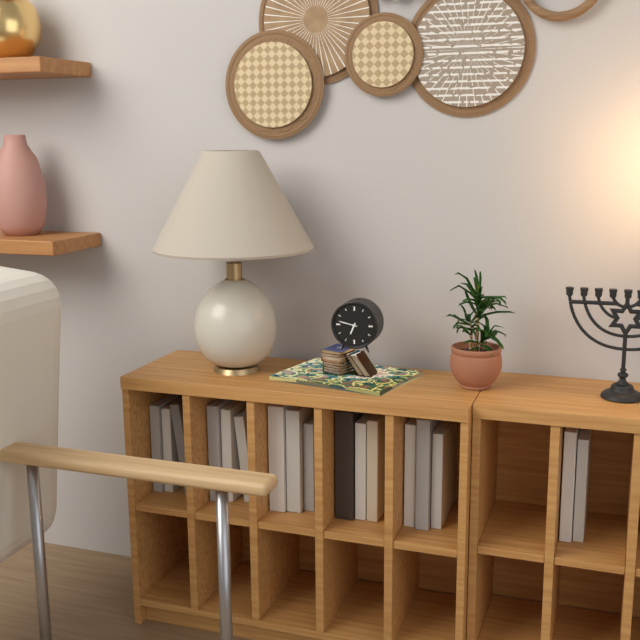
6:47
